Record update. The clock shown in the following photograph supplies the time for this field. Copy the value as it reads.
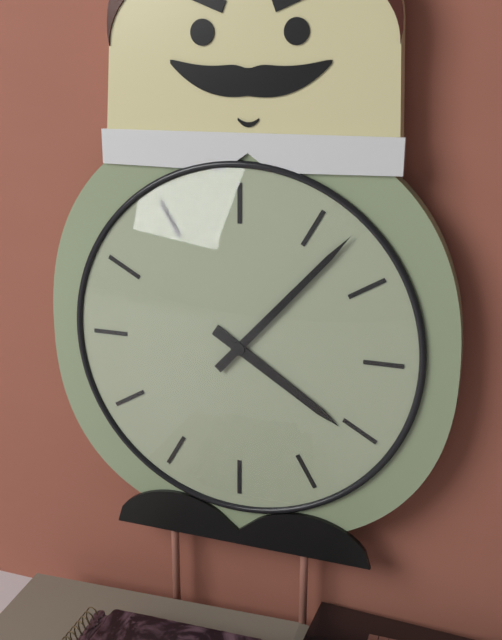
4:07
